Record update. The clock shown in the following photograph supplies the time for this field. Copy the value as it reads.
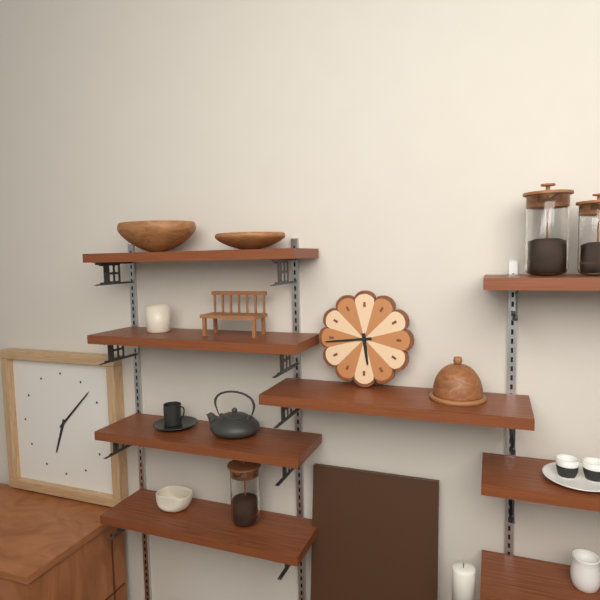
5:44
